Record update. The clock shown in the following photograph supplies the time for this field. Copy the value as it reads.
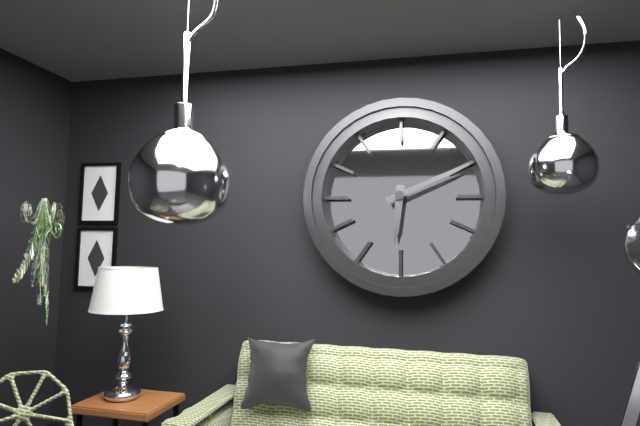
6:11
